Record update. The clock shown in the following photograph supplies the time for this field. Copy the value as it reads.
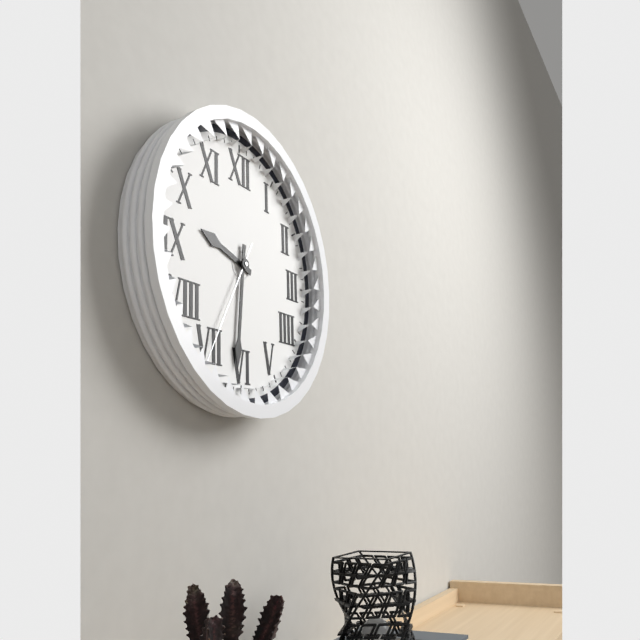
9:31:35
